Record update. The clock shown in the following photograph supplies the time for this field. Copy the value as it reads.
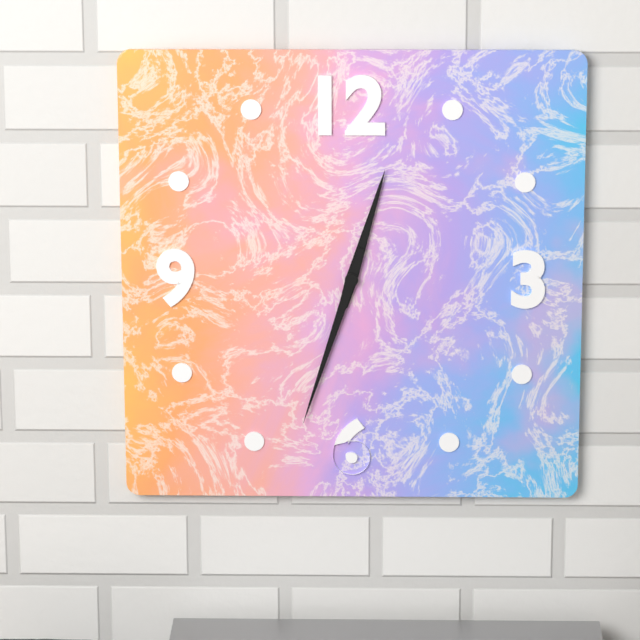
12:33
